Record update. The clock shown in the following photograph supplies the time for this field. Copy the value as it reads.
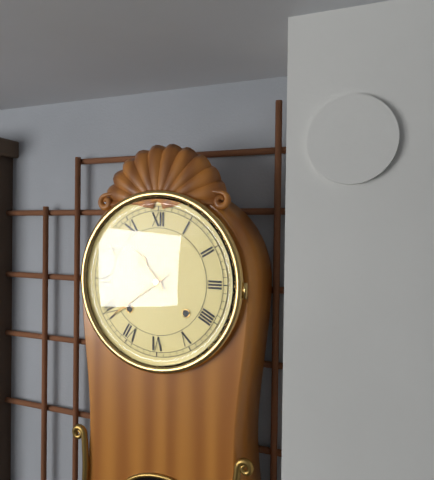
10:39
